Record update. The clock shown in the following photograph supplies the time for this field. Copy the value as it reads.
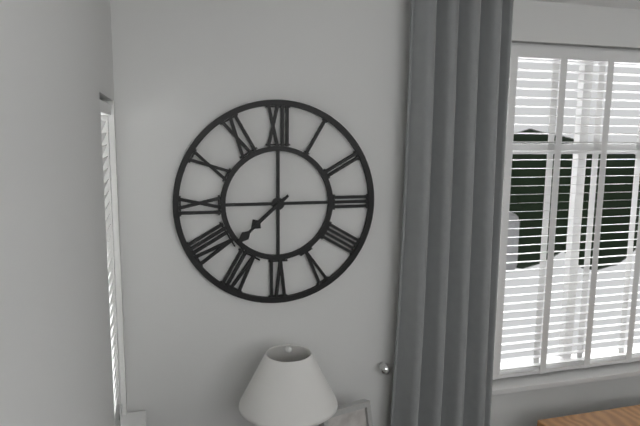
7:38
